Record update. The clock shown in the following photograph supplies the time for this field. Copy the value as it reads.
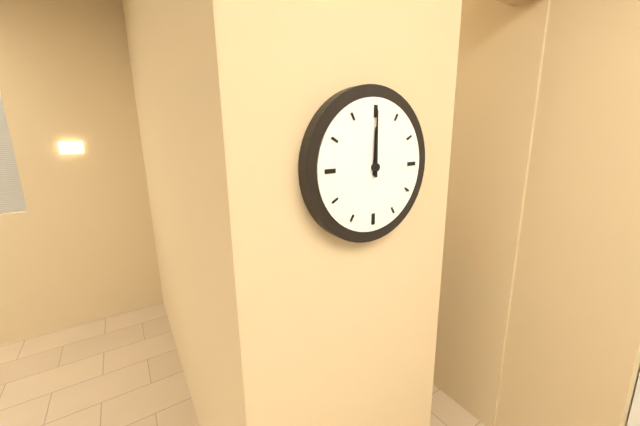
12:00
